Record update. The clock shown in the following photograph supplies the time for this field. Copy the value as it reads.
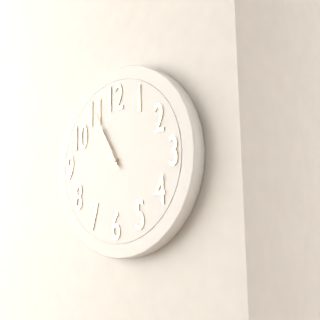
10:55
